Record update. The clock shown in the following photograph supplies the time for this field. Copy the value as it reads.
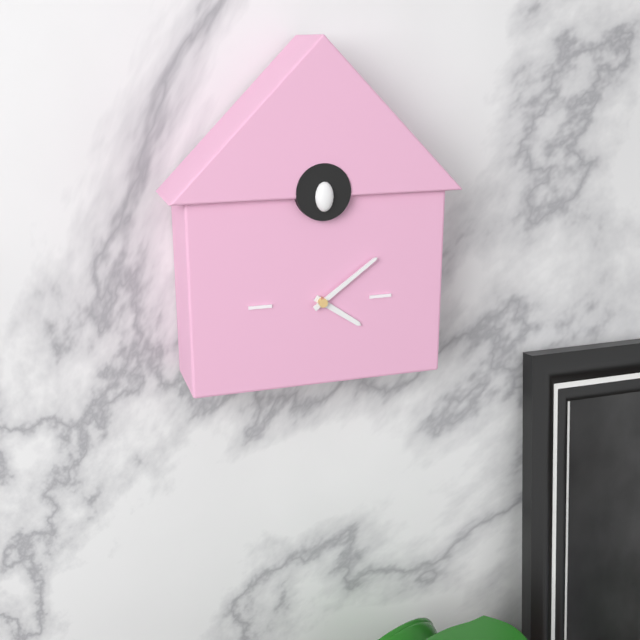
4:09
